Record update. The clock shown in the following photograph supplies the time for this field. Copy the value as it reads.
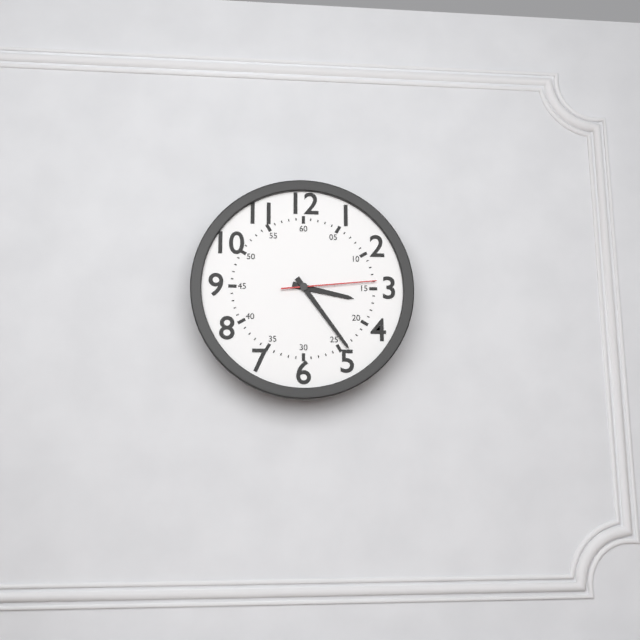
3:24:14
